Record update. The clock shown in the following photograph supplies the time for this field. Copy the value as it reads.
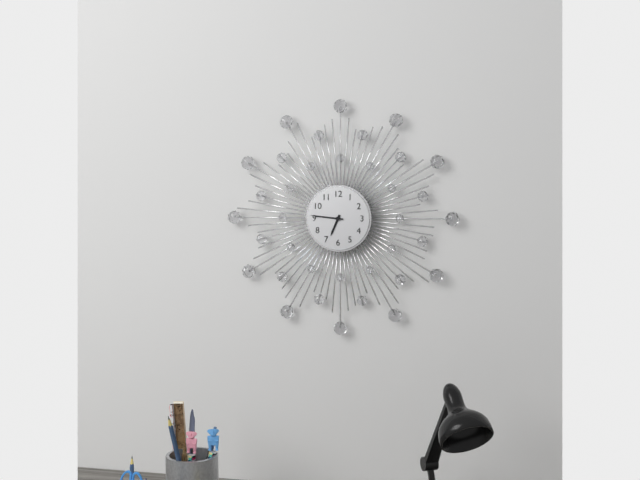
6:46
